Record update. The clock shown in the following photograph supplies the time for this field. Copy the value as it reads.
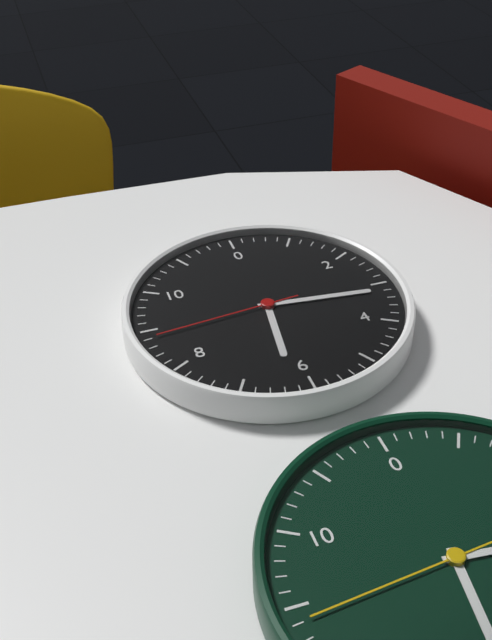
6:16:44
